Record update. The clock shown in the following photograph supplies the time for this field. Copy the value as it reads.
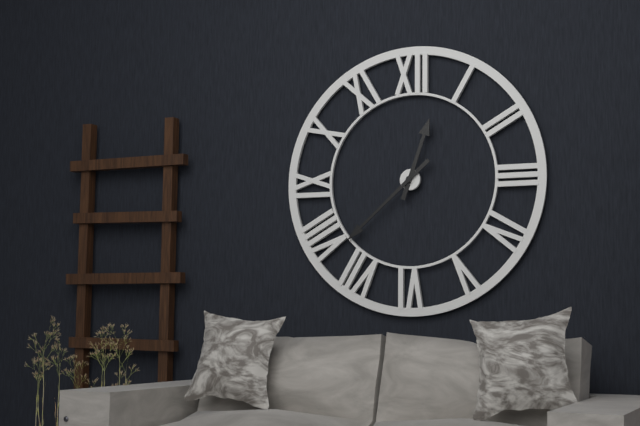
12:38
